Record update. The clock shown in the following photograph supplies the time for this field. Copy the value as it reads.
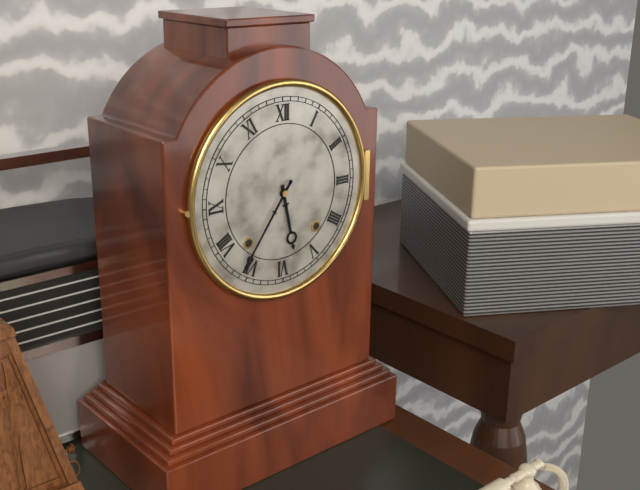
5:36
